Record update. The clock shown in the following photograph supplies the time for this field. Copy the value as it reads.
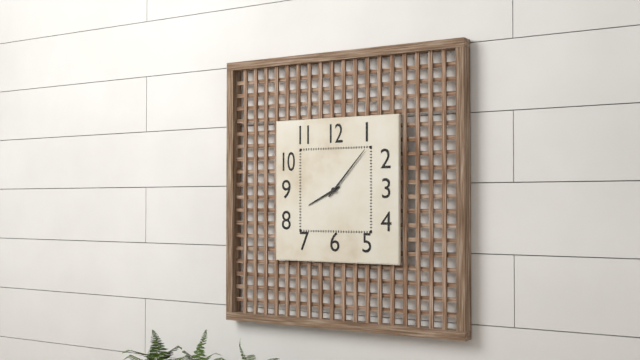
8:07
